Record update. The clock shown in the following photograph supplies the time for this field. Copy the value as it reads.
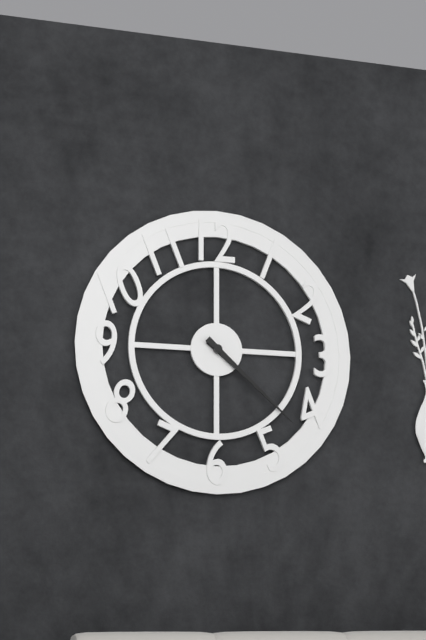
4:22
